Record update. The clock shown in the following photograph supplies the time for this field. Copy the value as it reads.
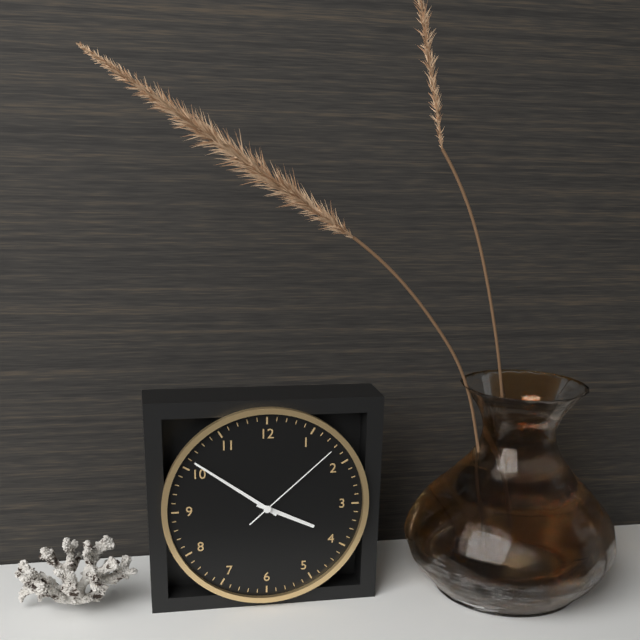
3:51:08
